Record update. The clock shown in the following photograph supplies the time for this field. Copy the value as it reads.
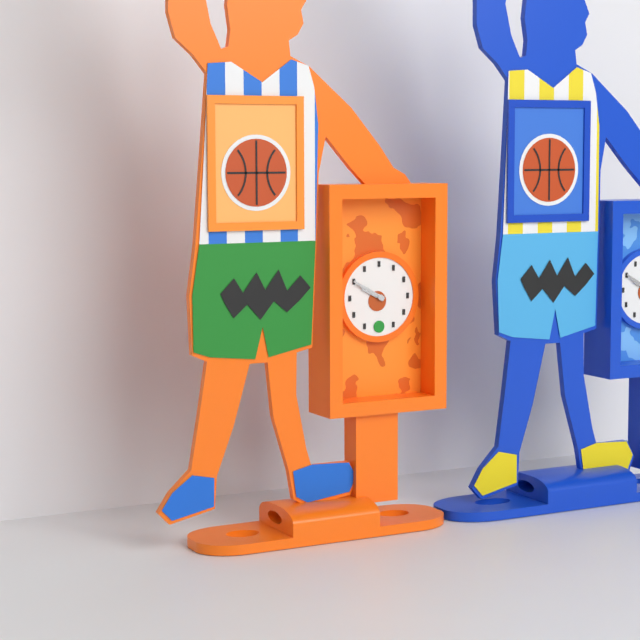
9:50
